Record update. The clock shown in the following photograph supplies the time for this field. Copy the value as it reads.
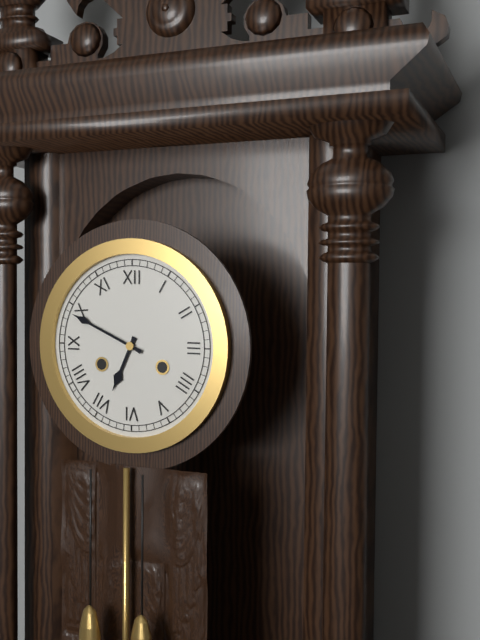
6:49
